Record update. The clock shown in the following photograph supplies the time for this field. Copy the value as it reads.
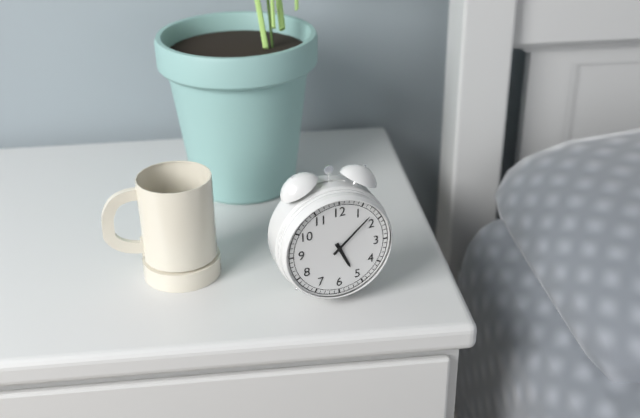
5:08
